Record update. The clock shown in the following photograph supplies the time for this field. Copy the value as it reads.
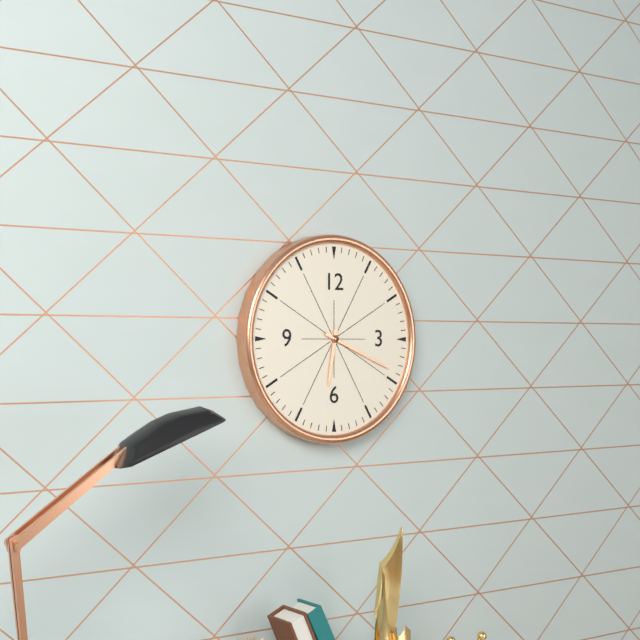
6:19
